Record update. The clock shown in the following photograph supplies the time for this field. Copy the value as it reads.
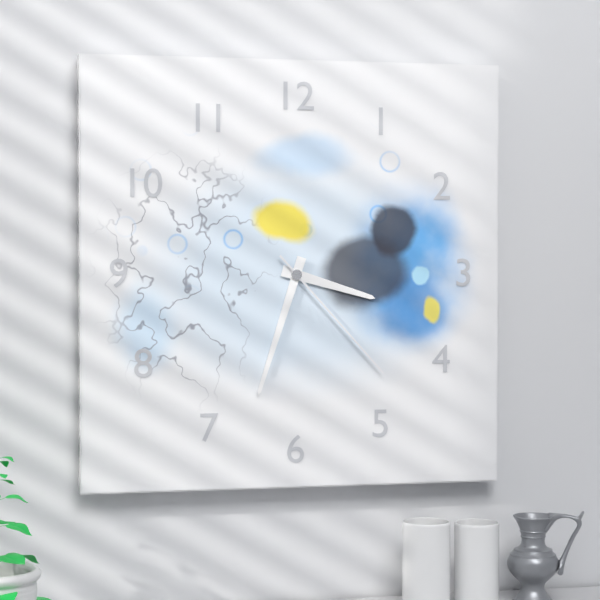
3:33:23
